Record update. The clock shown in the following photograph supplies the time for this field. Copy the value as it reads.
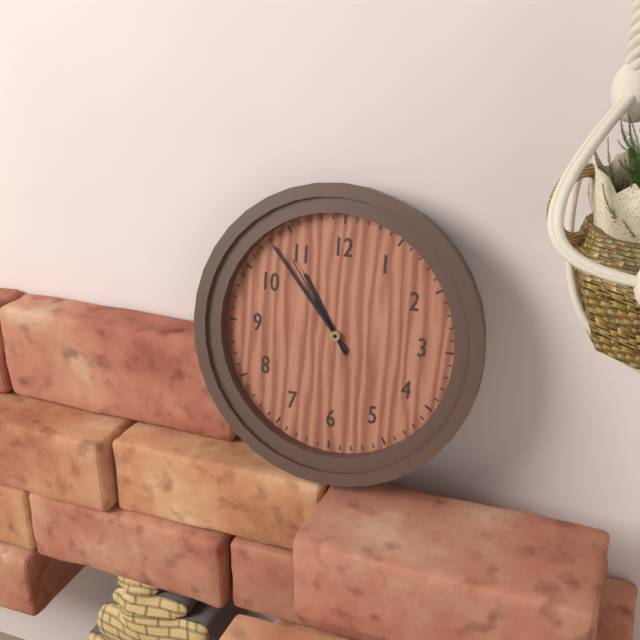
10:53:54
